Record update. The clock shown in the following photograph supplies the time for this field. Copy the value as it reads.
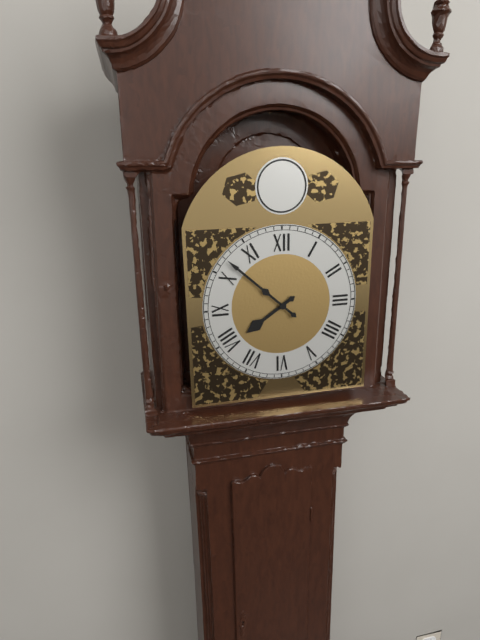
7:52
